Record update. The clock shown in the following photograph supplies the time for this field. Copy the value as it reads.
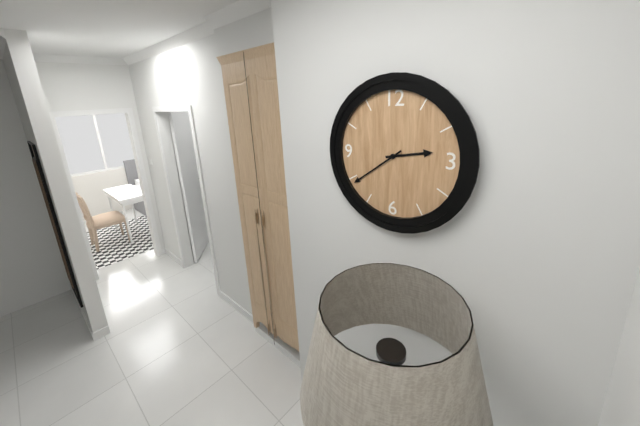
2:39
